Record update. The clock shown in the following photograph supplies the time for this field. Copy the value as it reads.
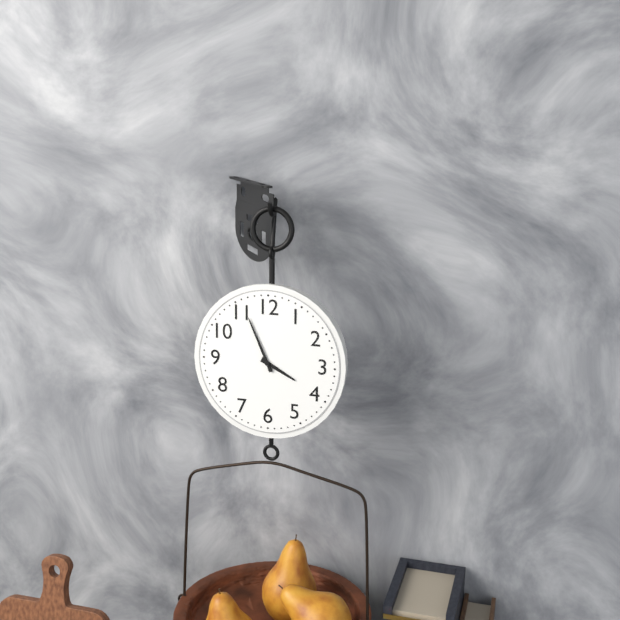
3:56
